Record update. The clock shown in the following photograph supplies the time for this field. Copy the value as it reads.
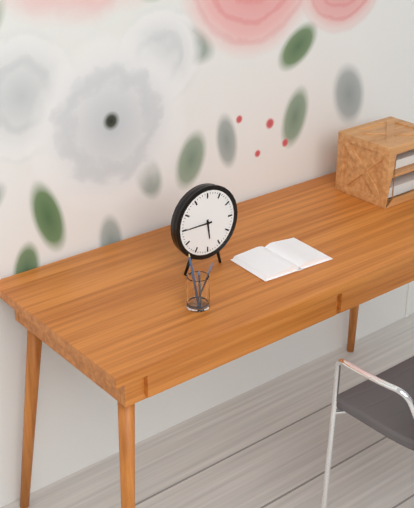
5:45
